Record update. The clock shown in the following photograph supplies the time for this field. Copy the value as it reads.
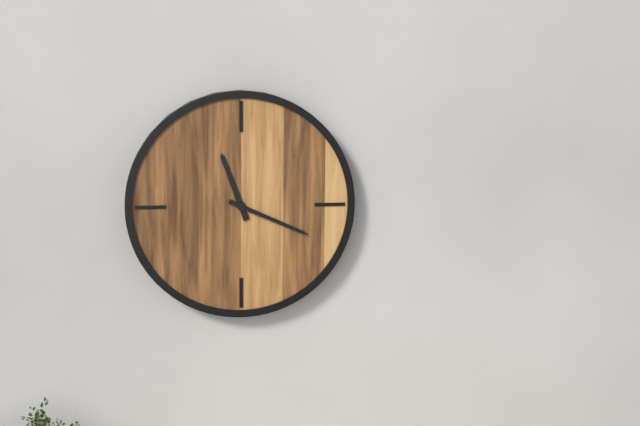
11:19
